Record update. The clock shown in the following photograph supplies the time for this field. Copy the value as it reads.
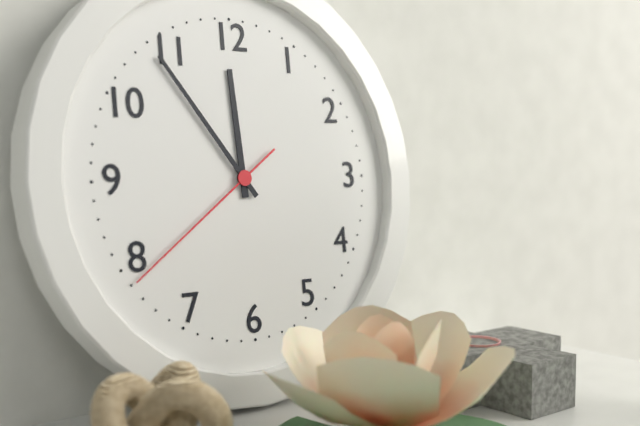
11:54:39
